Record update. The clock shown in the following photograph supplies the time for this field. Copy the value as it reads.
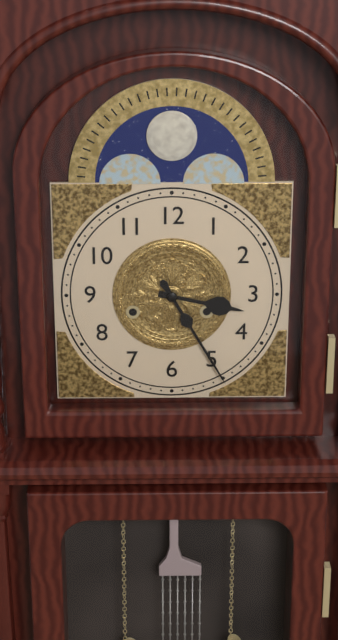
3:25
